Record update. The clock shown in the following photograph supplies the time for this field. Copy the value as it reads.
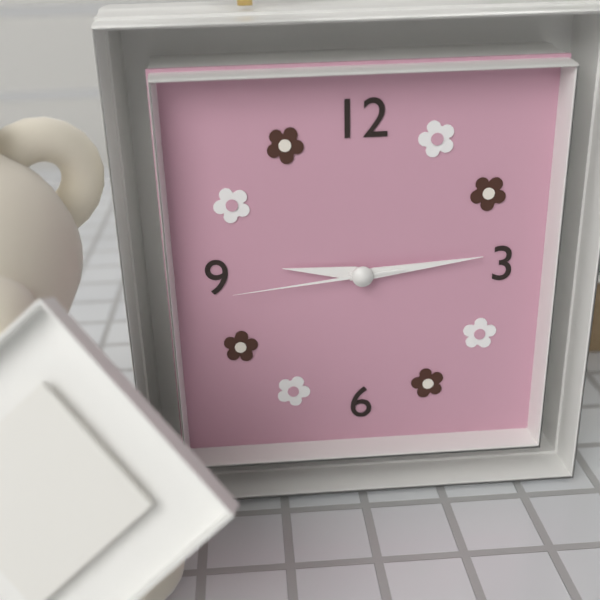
9:14:44
